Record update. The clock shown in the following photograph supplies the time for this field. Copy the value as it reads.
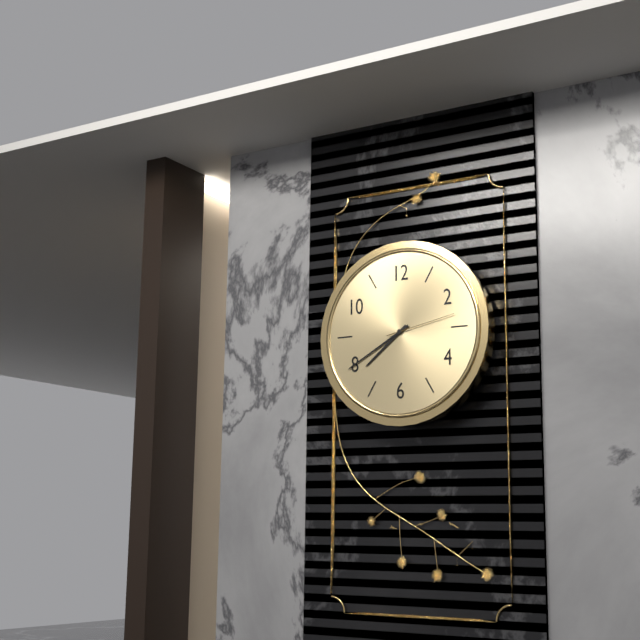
7:40:13
